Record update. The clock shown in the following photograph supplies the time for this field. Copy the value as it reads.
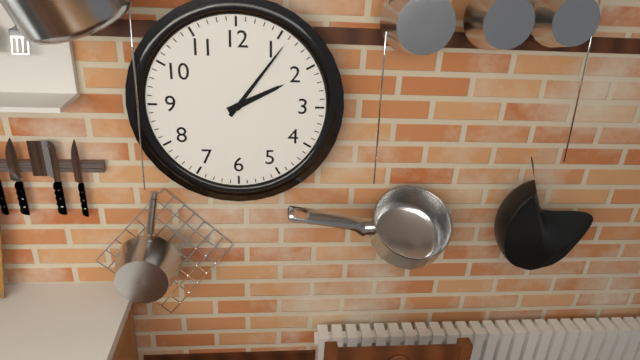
2:06
